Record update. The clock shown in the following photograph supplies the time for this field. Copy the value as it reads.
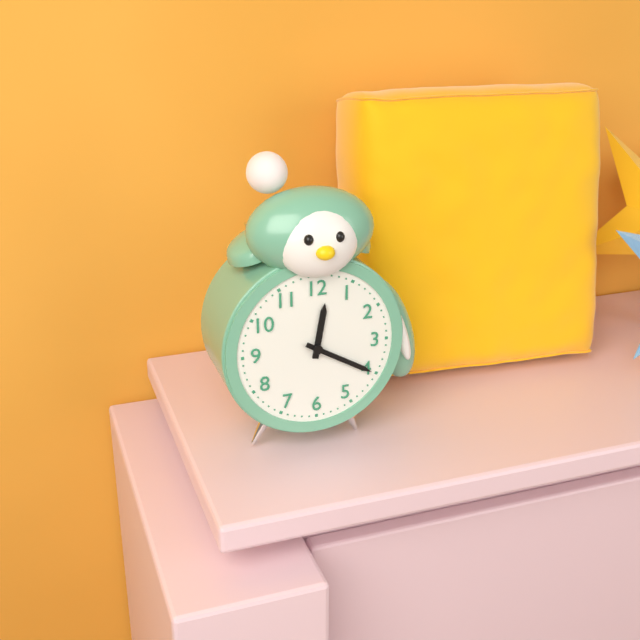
12:20
